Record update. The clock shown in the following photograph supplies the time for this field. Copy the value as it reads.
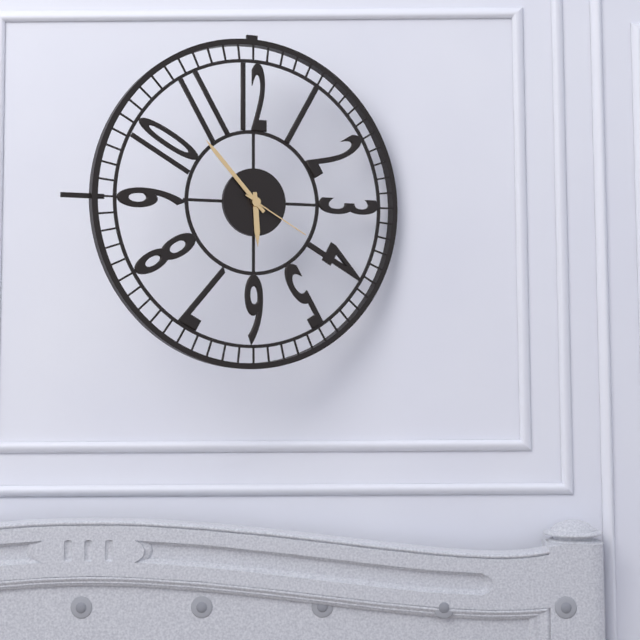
5:53:20
